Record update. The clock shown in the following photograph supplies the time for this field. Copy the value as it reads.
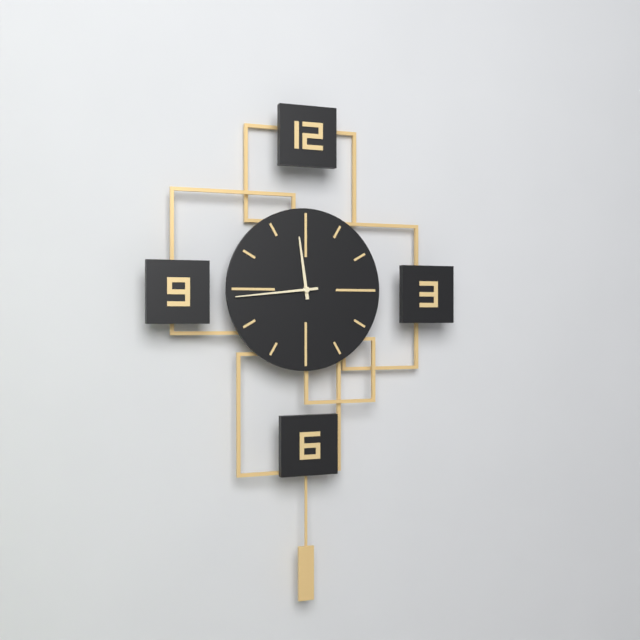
11:44
